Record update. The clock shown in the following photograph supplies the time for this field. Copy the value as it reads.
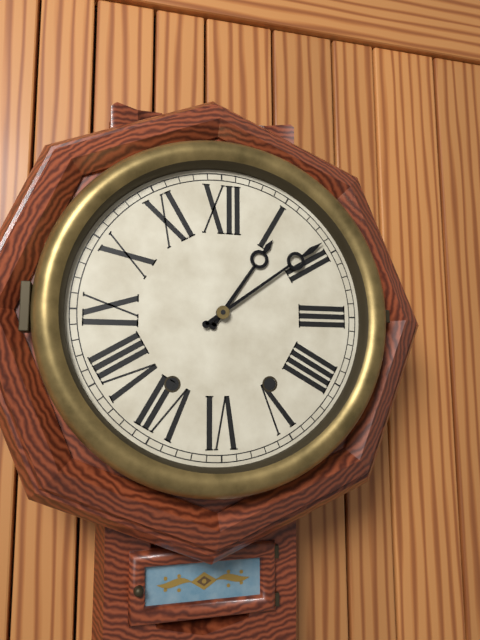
1:09
